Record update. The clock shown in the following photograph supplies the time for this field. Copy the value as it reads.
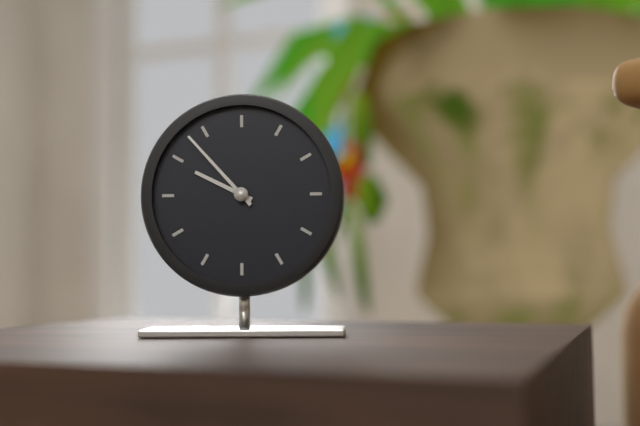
9:53
